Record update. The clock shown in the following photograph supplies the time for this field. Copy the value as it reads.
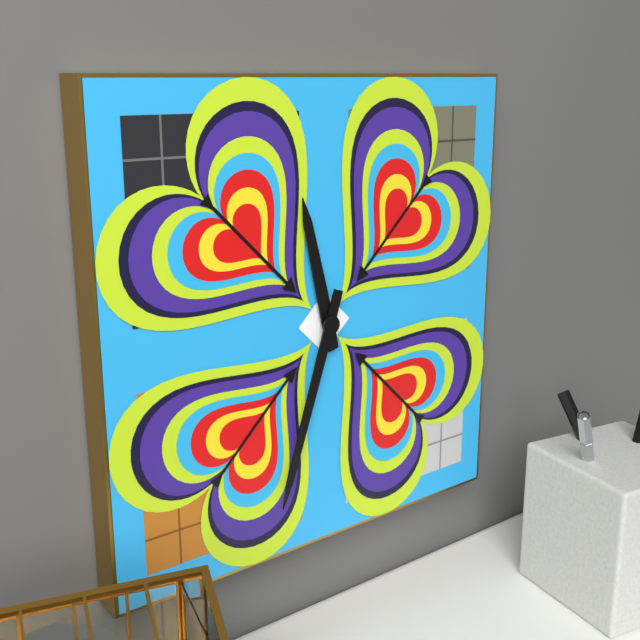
11:33
